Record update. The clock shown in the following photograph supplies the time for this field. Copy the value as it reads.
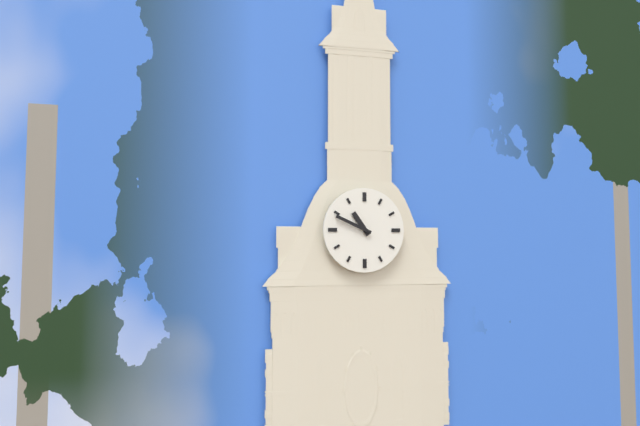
10:49
